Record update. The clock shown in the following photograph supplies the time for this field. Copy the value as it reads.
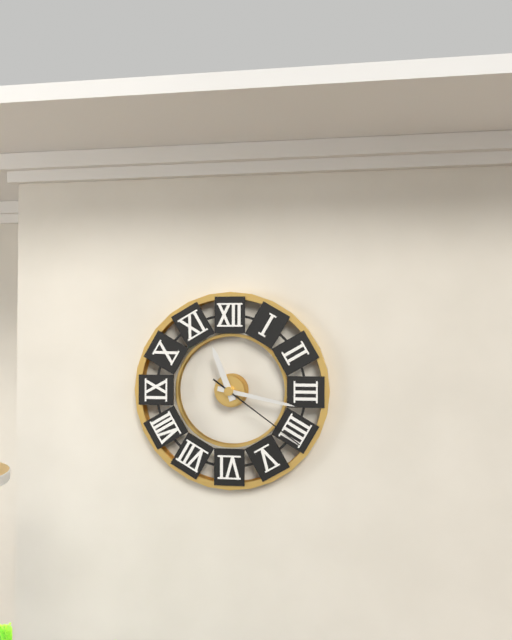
11:17:21
